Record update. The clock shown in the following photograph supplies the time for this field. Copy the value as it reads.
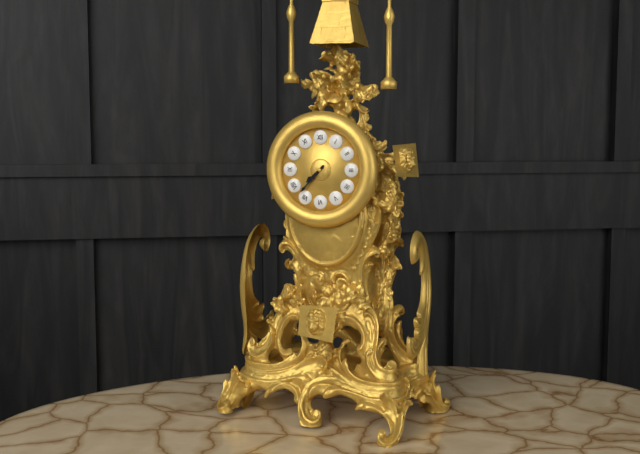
7:37
